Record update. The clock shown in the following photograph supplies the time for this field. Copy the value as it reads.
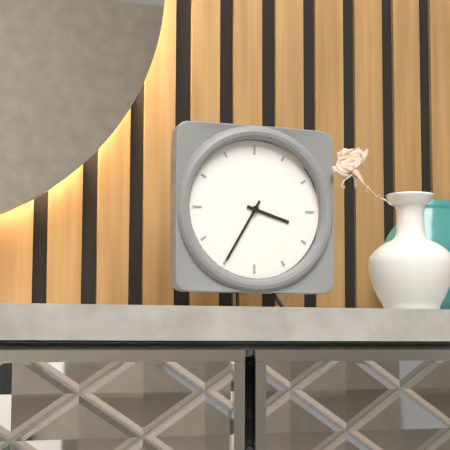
3:35
